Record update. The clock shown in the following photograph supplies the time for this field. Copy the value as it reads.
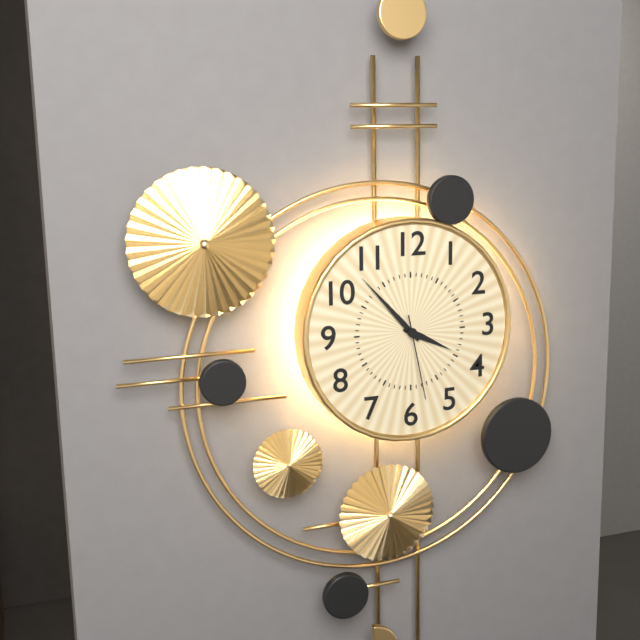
3:53:28
